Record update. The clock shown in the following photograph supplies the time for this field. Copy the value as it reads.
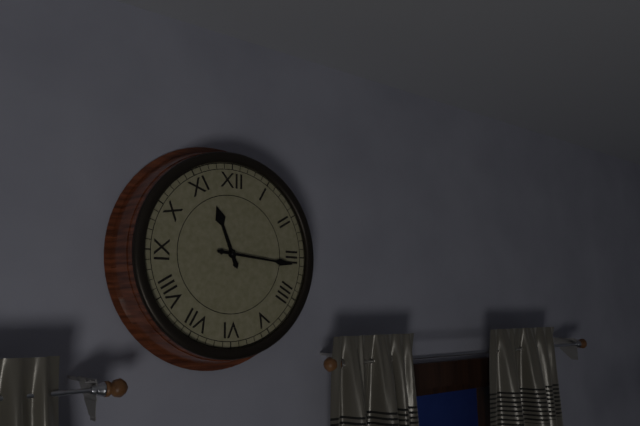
11:16
